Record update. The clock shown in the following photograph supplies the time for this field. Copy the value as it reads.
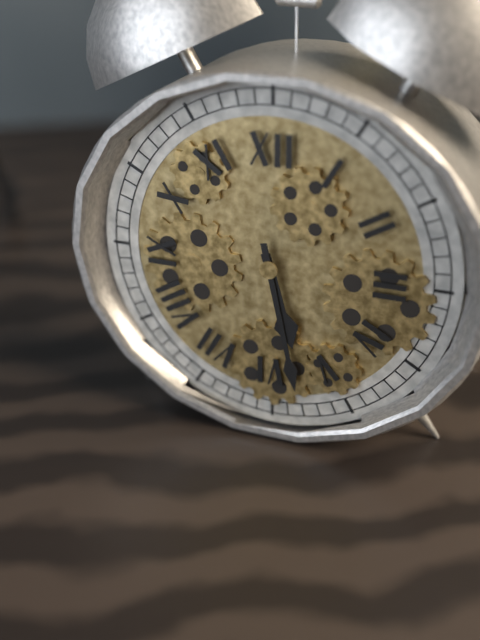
5:28
